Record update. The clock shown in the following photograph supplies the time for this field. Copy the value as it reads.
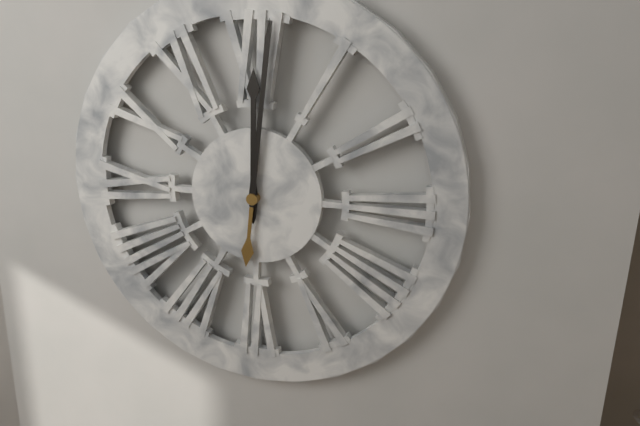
12:01
